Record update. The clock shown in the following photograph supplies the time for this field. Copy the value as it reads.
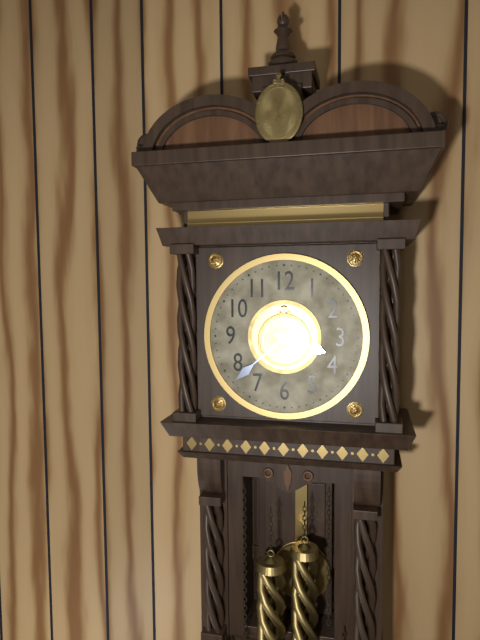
3:38
